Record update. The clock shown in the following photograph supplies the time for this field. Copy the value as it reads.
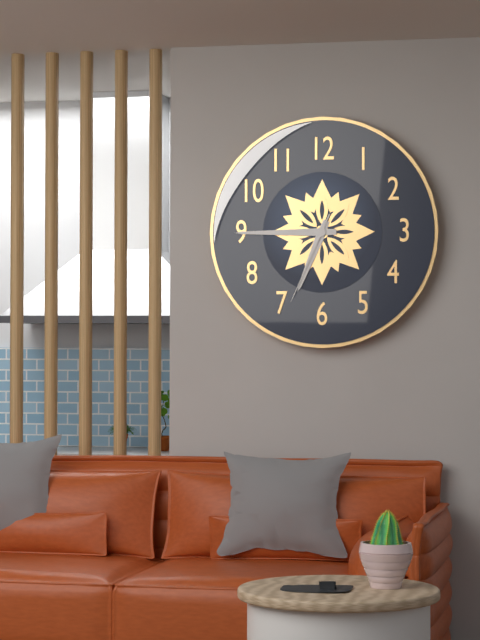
6:45:34
